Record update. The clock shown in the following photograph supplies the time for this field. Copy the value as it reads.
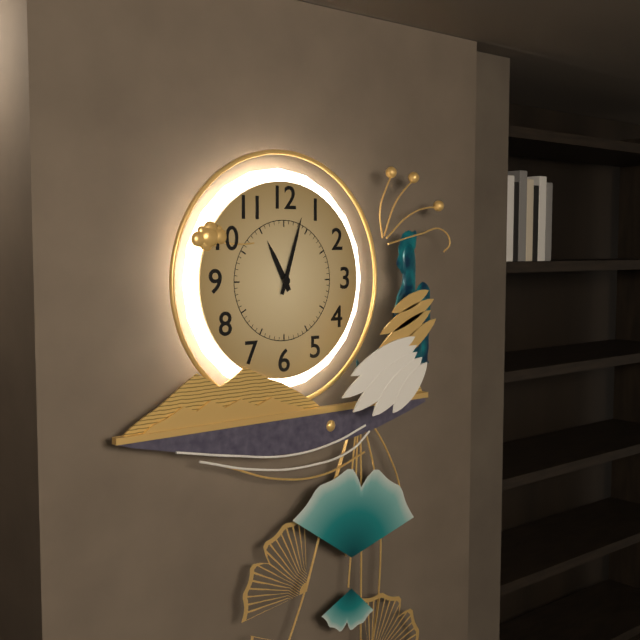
11:03
